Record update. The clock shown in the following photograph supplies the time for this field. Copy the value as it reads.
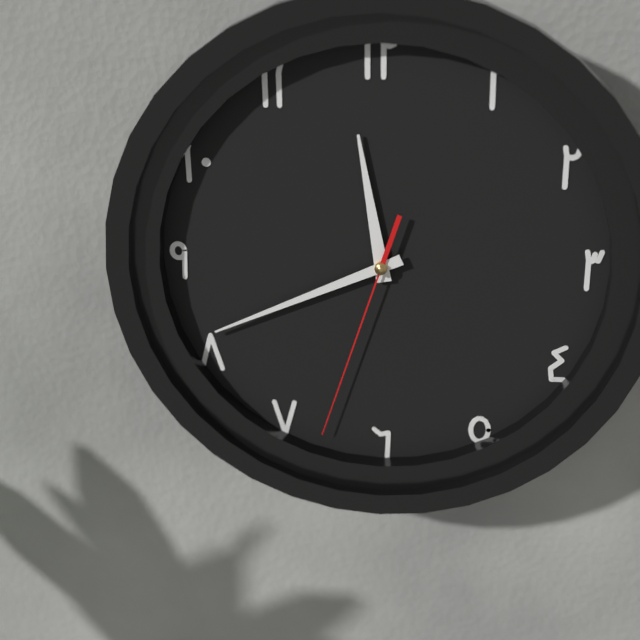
11:41:33
